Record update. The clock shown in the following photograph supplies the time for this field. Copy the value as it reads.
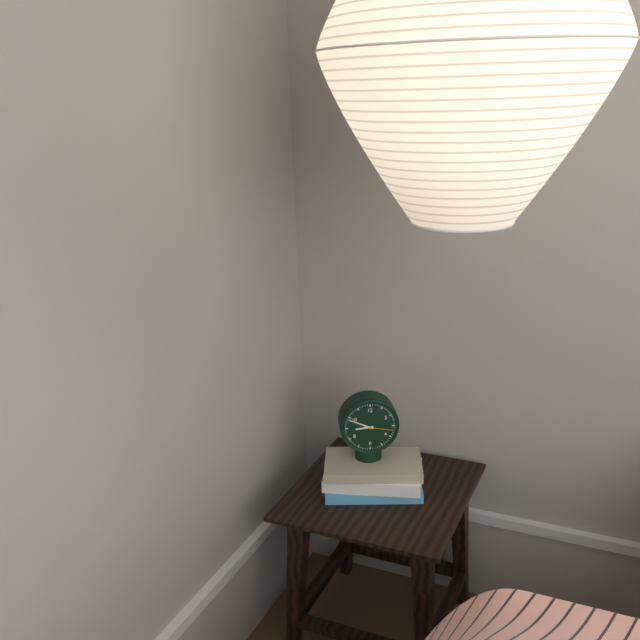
8:49
